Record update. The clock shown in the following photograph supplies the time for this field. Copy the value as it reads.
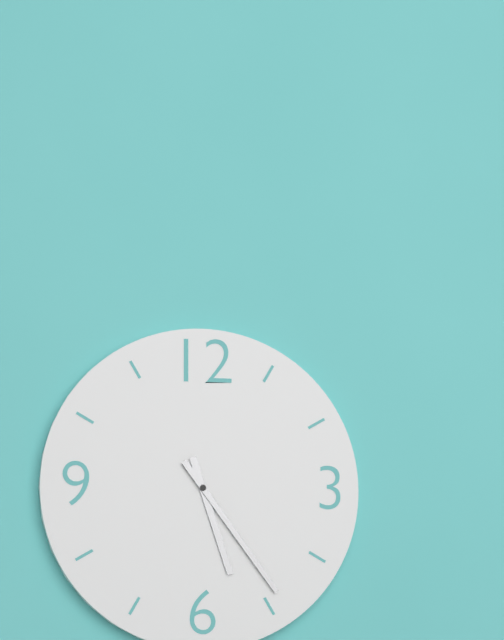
5:24
